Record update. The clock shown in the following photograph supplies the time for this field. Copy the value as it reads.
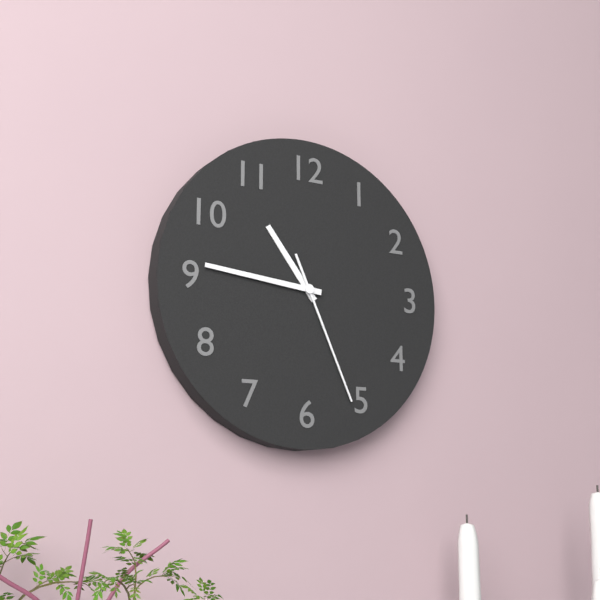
10:46:26
